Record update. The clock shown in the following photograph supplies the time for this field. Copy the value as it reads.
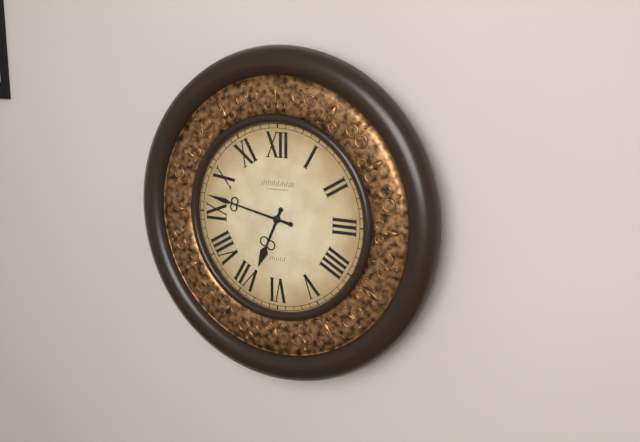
6:47
